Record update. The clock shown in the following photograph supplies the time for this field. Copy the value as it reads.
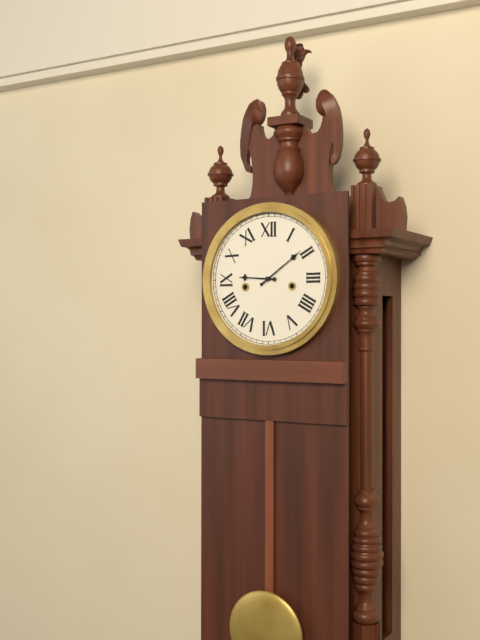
9:09
